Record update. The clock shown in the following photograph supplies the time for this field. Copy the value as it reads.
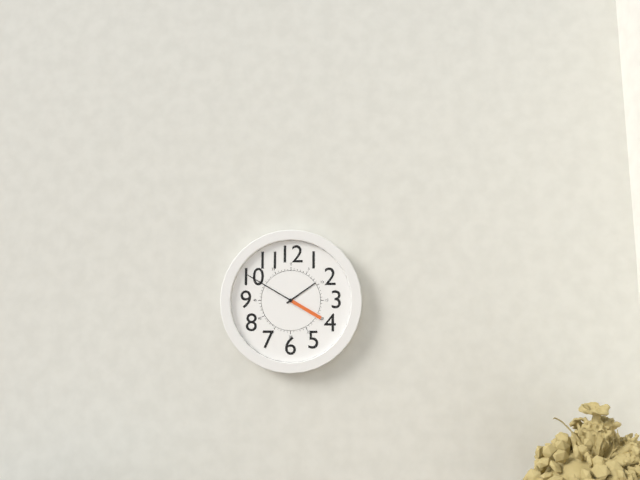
1:50
